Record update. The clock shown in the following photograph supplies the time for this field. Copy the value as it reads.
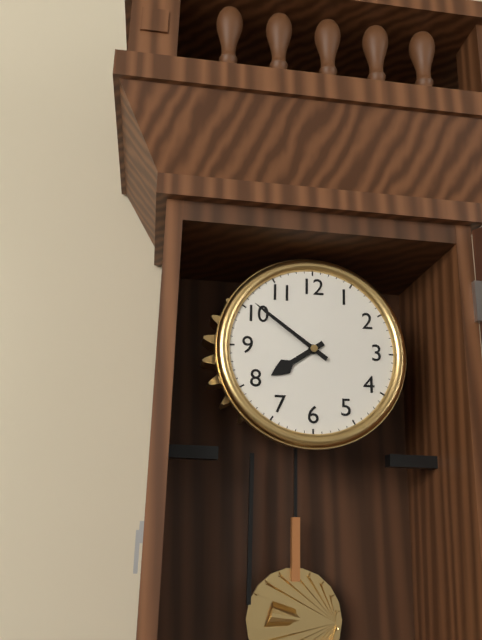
7:51
